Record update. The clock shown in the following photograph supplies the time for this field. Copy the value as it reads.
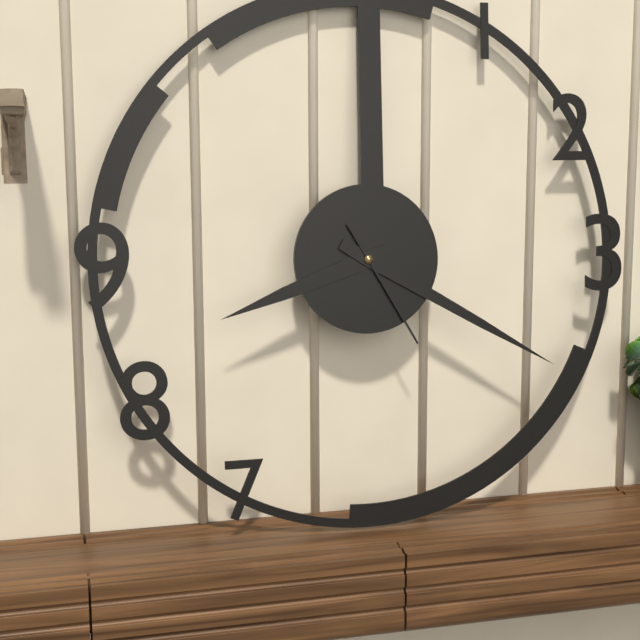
8:20:25
